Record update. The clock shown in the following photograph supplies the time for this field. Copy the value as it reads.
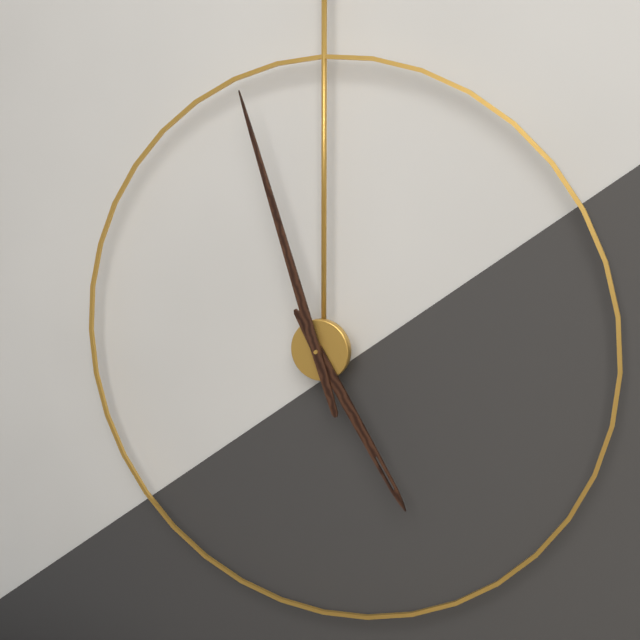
4:57
